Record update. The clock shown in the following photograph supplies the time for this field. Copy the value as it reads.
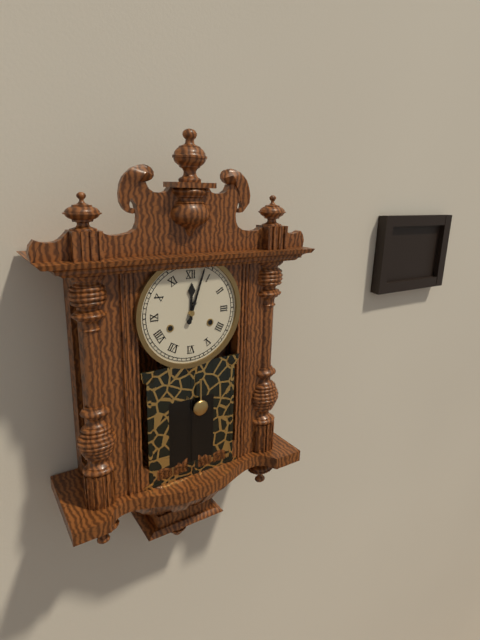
12:03
